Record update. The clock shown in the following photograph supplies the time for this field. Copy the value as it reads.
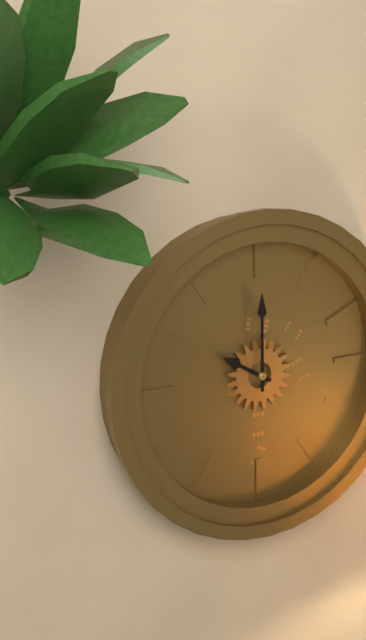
10:00
